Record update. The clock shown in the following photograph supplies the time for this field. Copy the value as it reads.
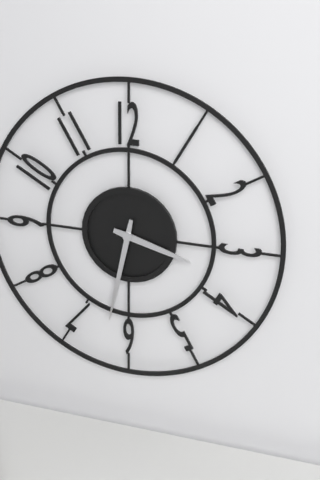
3:32
